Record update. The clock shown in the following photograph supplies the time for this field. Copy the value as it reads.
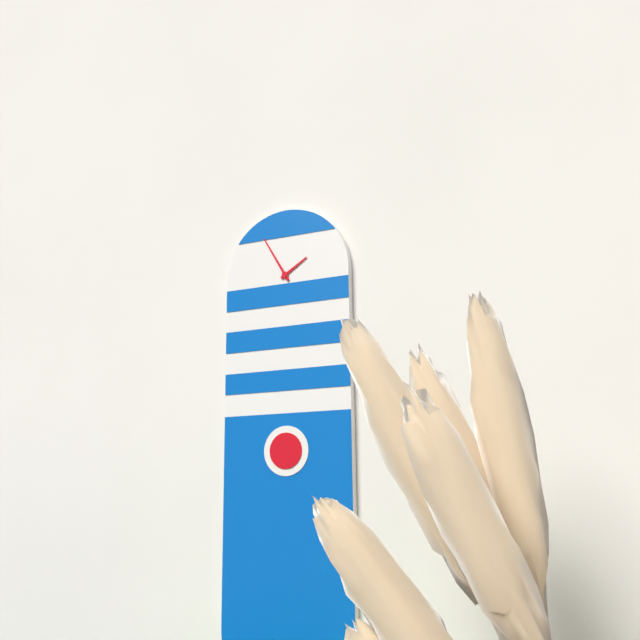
1:55
